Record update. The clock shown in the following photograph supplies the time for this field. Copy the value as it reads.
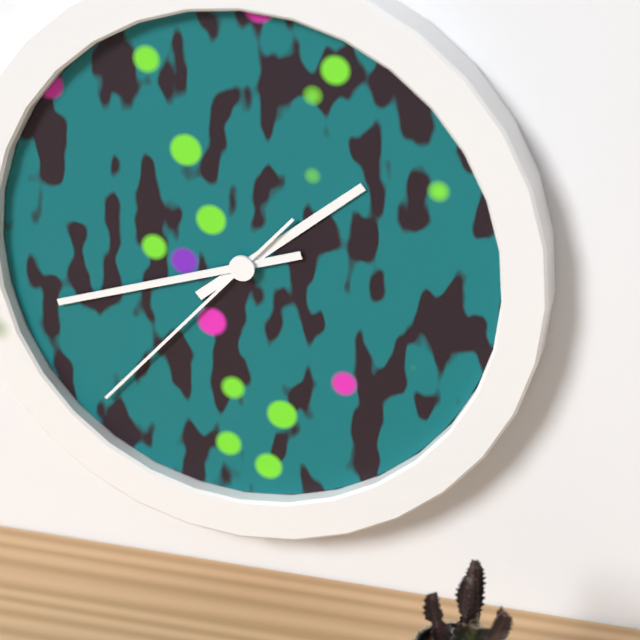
1:42:37
